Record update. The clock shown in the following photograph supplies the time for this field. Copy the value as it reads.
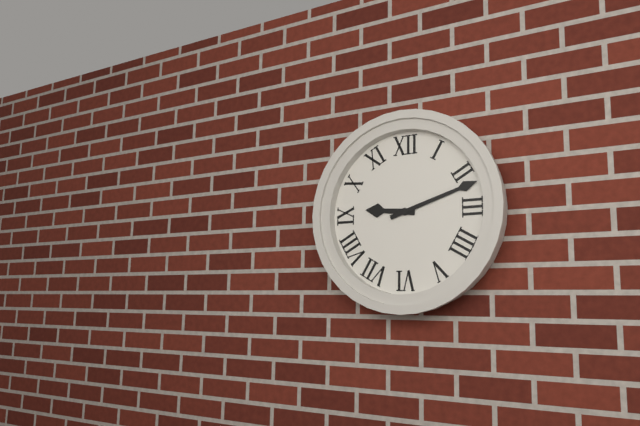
9:12
